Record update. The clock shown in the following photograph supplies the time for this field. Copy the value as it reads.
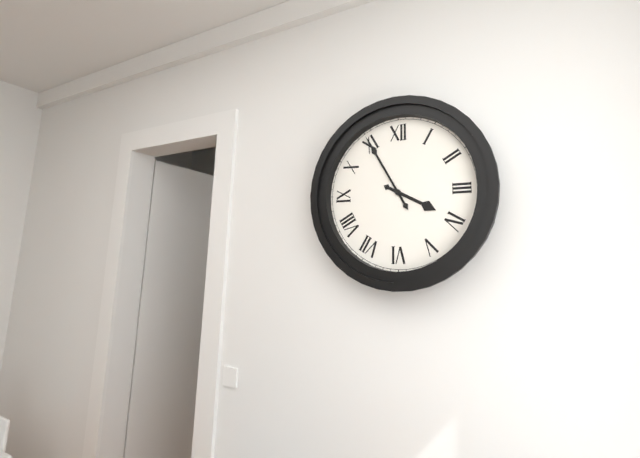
3:55
